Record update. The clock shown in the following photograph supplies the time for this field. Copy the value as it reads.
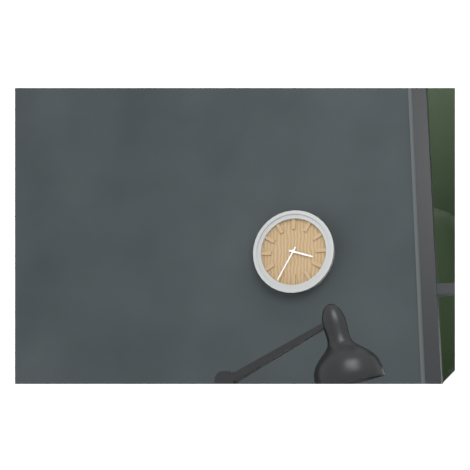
3:35
